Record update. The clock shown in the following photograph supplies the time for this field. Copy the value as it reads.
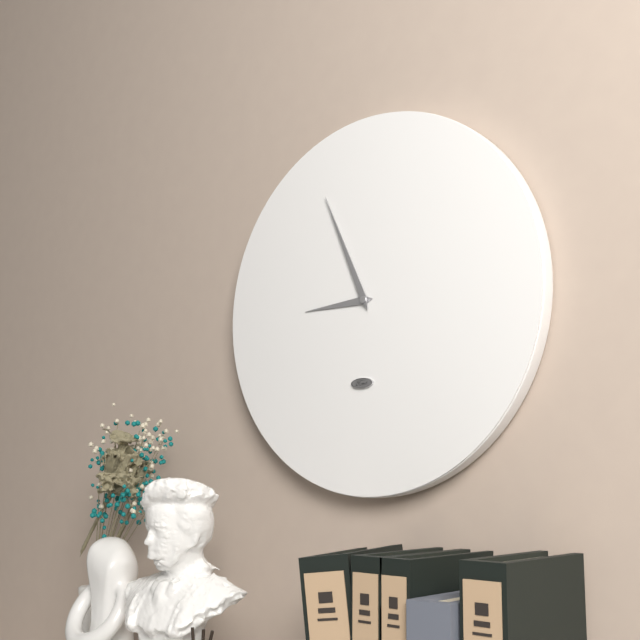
8:56
